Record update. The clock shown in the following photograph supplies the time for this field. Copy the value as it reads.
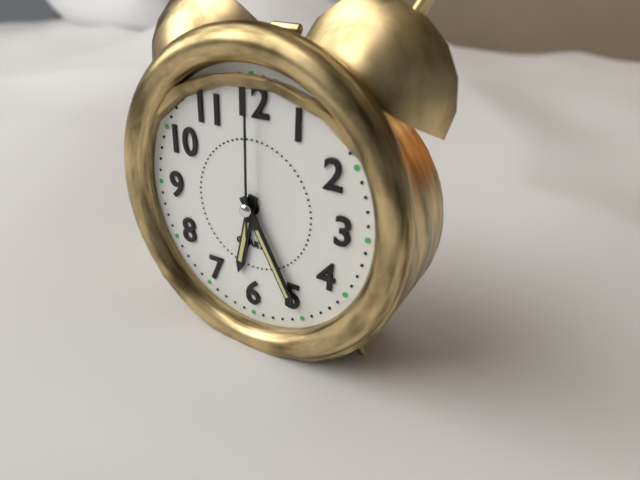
6:25:00
